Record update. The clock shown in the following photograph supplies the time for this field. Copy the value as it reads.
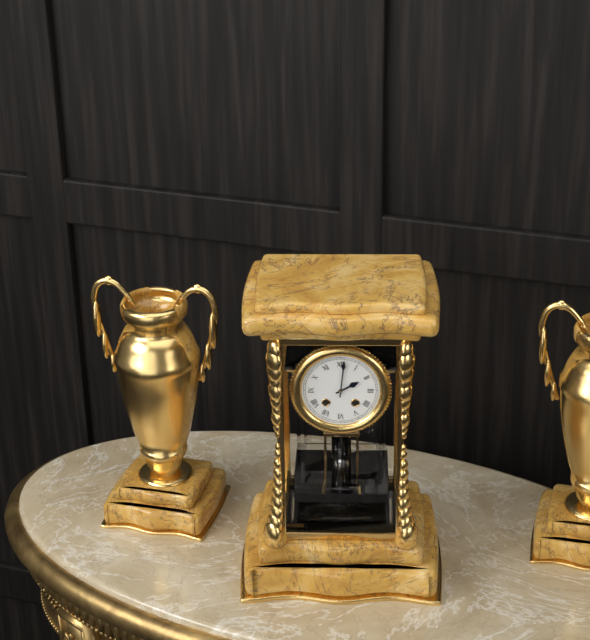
2:01
